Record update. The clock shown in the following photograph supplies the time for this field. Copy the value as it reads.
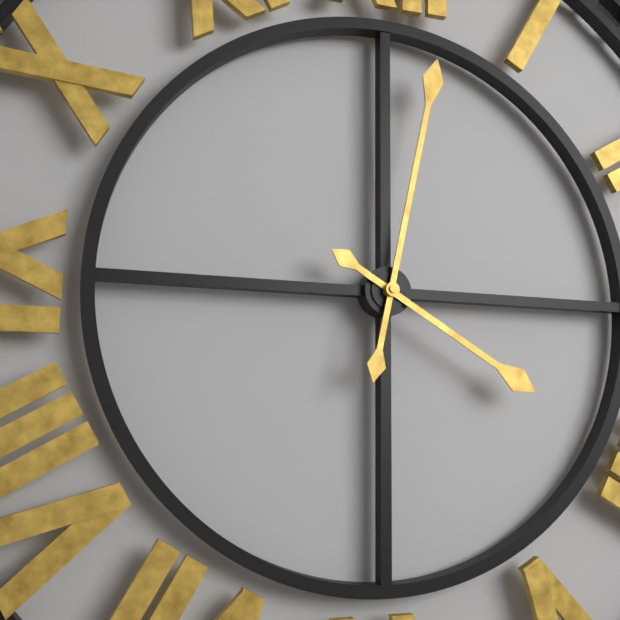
4:02
